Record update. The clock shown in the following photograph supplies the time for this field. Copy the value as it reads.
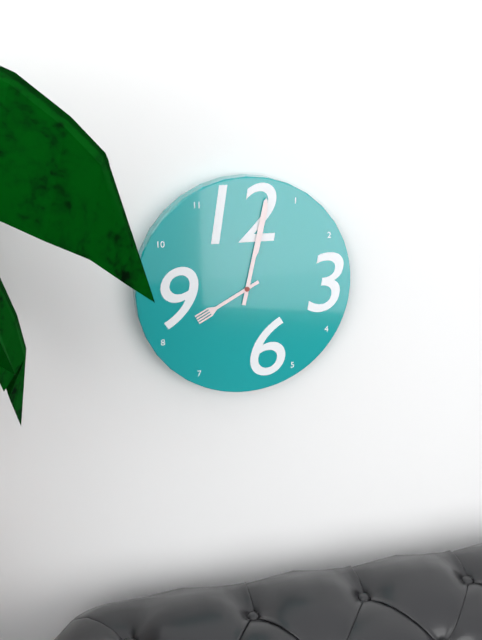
8:02
